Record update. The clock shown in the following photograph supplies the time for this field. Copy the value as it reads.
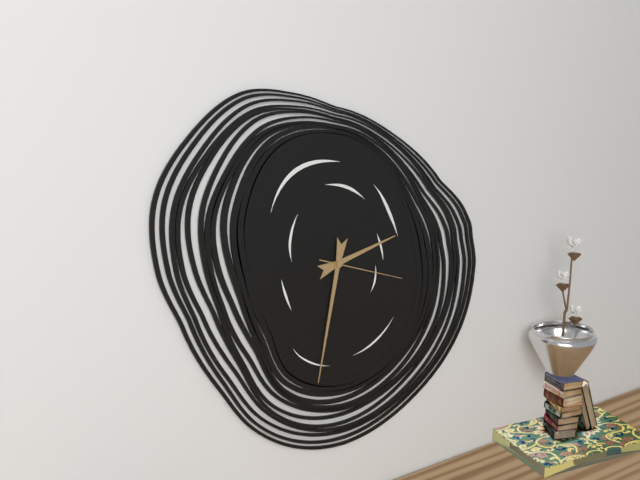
2:32:18
